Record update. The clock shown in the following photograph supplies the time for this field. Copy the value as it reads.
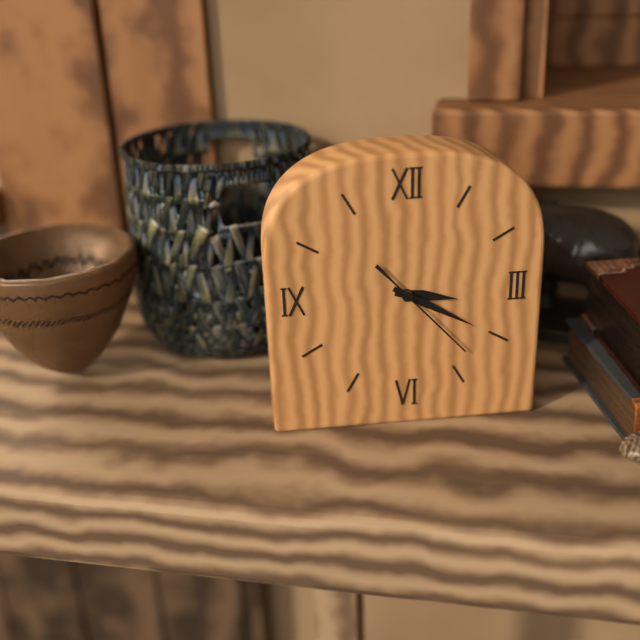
3:20:23
